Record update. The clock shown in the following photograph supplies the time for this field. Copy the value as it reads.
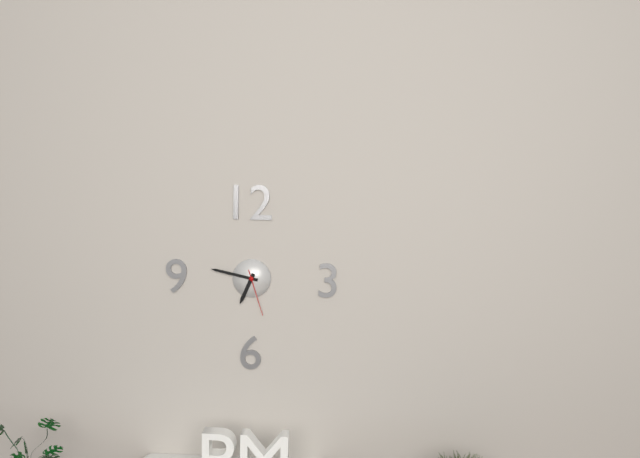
6:47
